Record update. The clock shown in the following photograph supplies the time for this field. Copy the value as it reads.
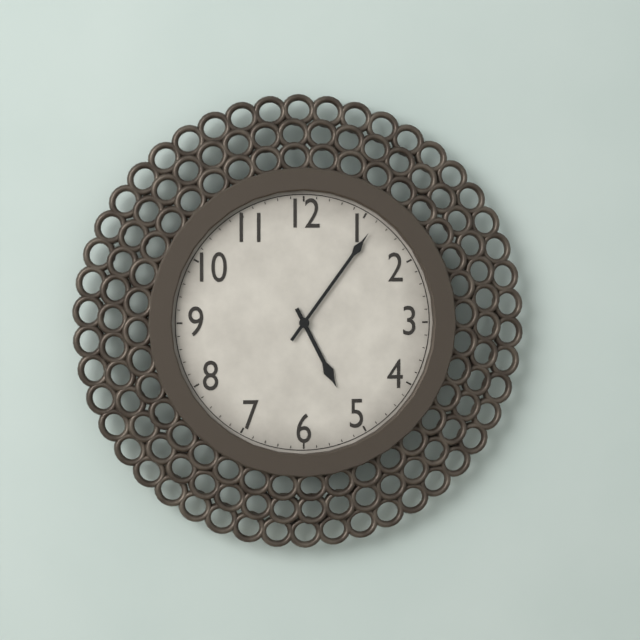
5:06
